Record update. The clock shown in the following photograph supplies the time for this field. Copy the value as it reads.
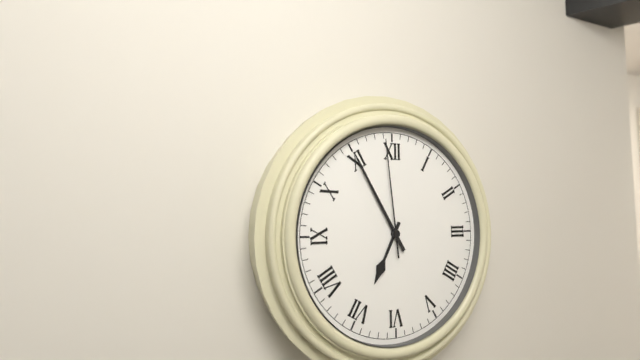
6:55:59
